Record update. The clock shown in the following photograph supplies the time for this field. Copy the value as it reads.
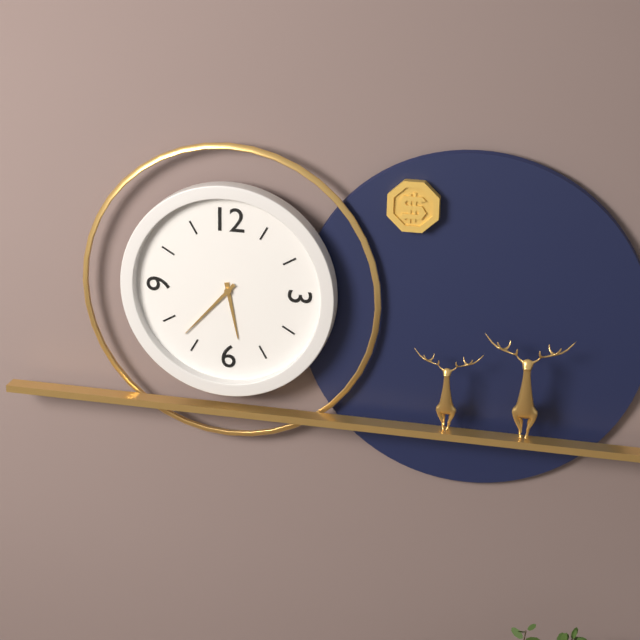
5:37
